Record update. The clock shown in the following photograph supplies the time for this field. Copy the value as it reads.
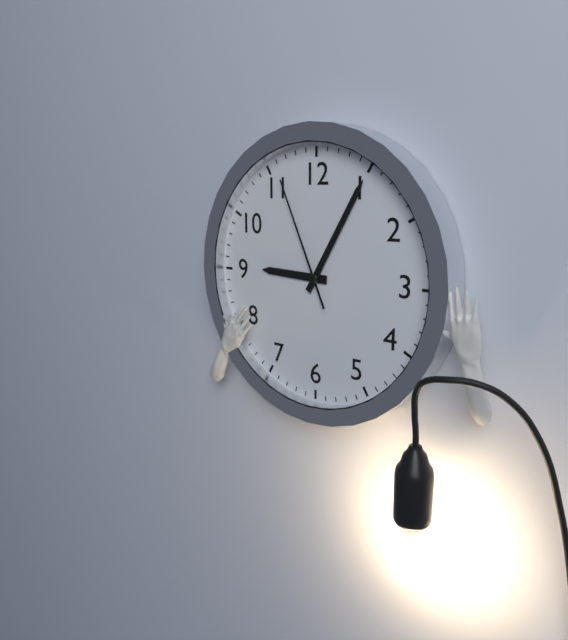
9:05:56
